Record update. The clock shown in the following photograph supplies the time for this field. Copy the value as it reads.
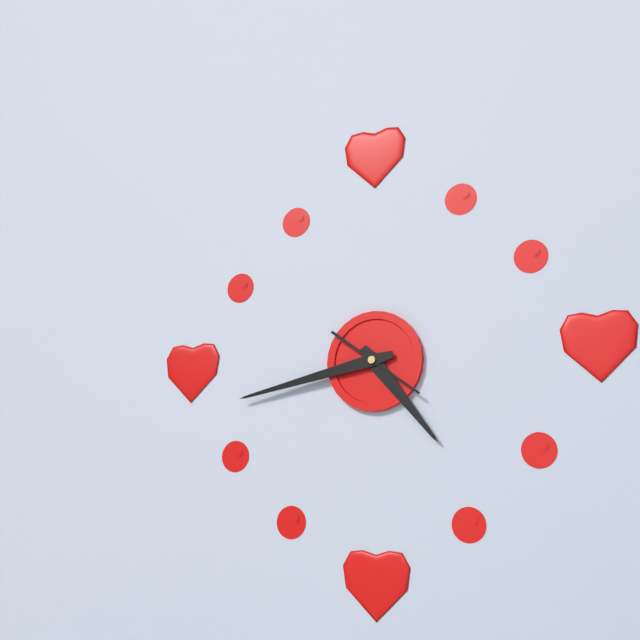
4:43:21
